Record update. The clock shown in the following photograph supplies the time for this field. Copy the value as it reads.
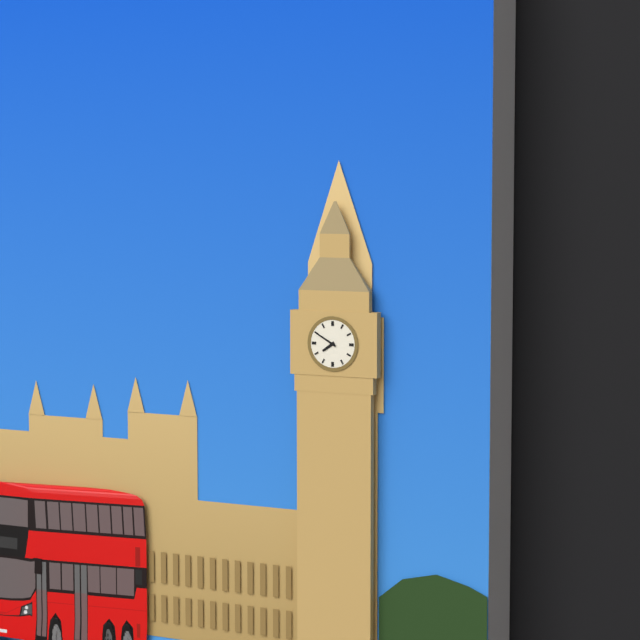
7:50
